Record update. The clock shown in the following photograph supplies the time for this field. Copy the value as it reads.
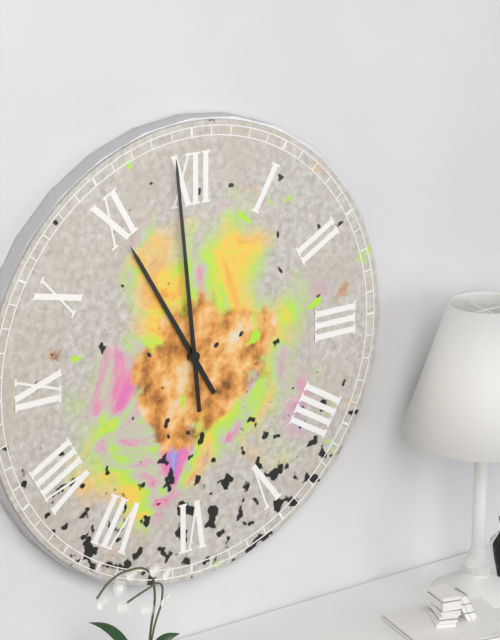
10:59
